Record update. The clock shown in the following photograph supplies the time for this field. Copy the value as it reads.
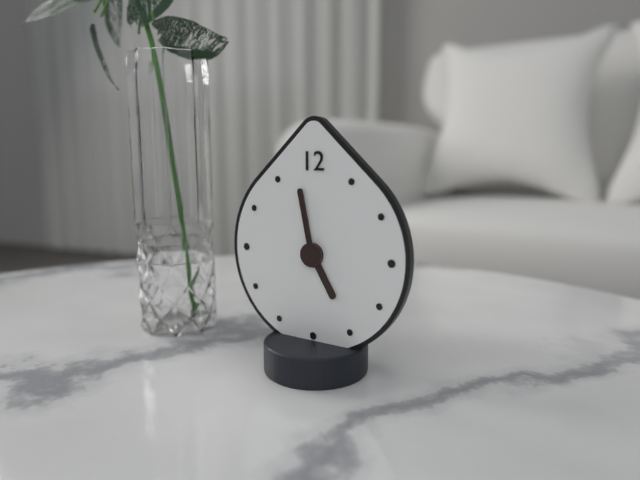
4:58
